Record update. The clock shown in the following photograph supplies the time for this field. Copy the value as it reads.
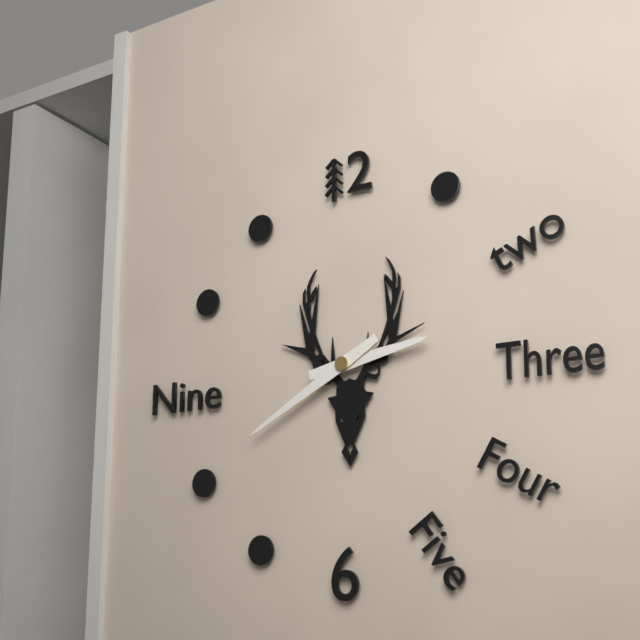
2:40
